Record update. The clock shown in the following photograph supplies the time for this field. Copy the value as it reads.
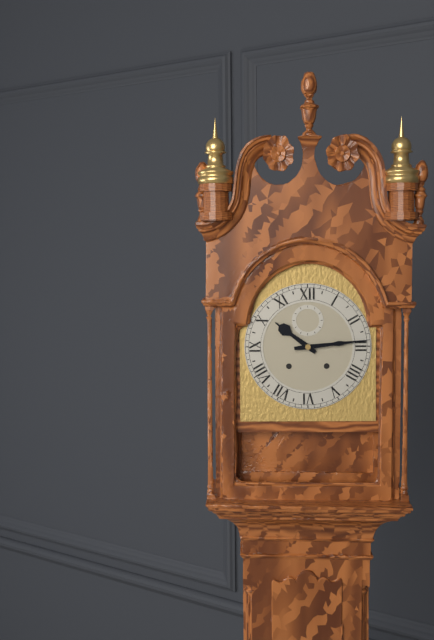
10:14
